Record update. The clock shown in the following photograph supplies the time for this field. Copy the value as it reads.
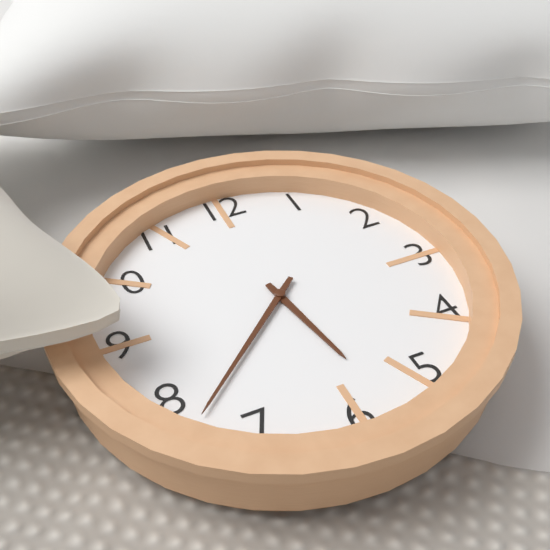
5:38
